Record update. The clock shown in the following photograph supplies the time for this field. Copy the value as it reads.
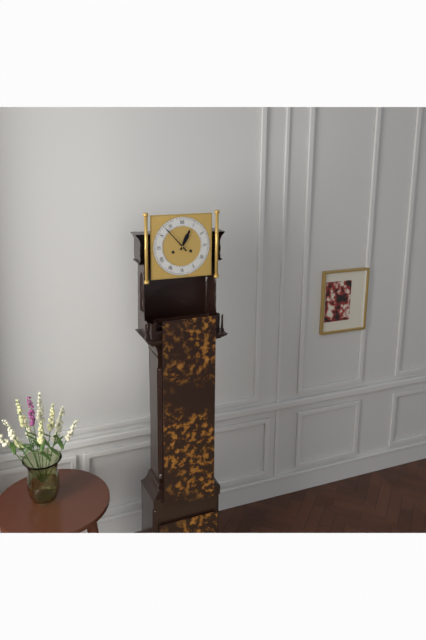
12:53
